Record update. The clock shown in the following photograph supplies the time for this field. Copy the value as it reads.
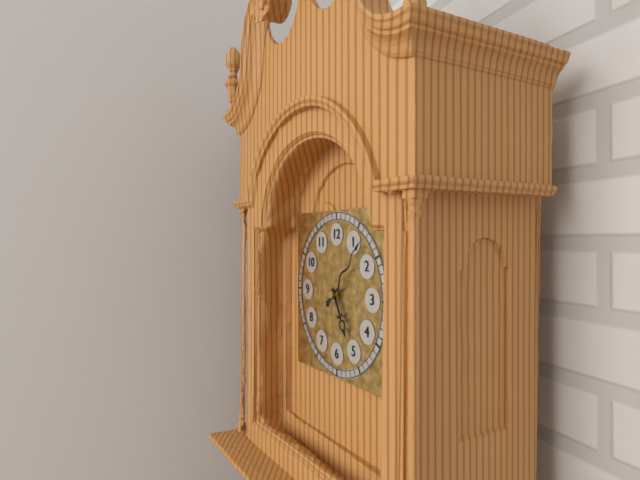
5:07
